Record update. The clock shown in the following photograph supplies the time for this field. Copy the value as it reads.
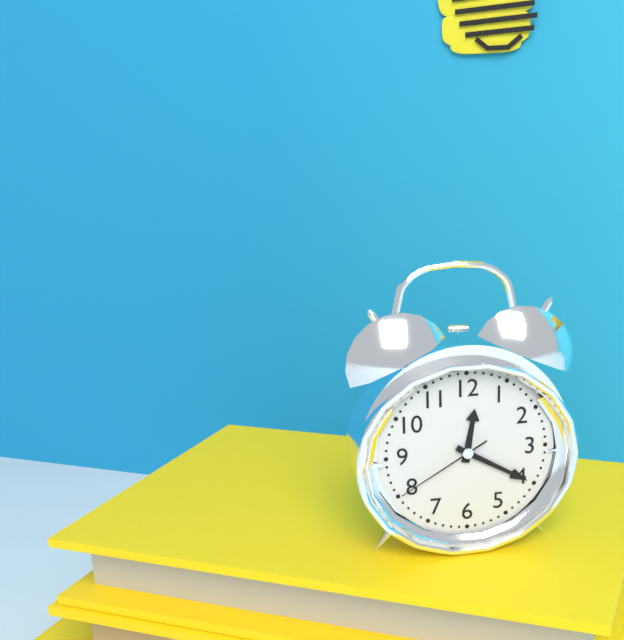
12:20:40
